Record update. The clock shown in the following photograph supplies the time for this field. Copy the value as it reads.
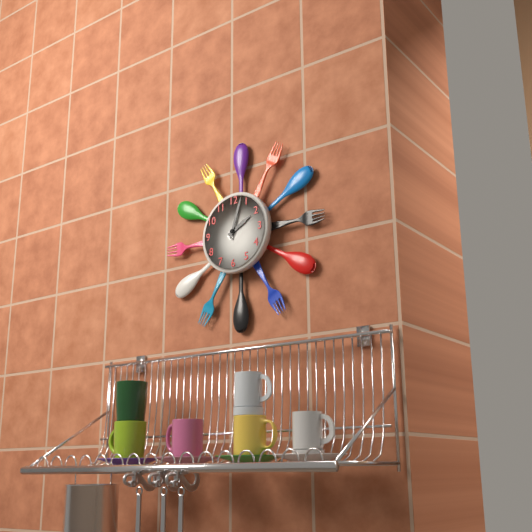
2:03
